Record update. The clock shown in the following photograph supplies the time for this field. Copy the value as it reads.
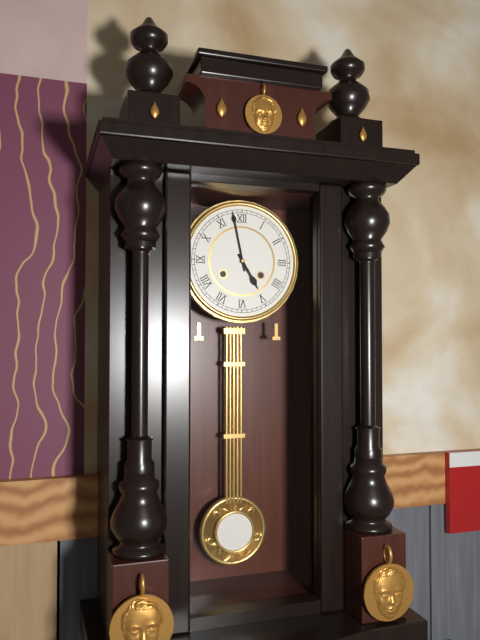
4:58
